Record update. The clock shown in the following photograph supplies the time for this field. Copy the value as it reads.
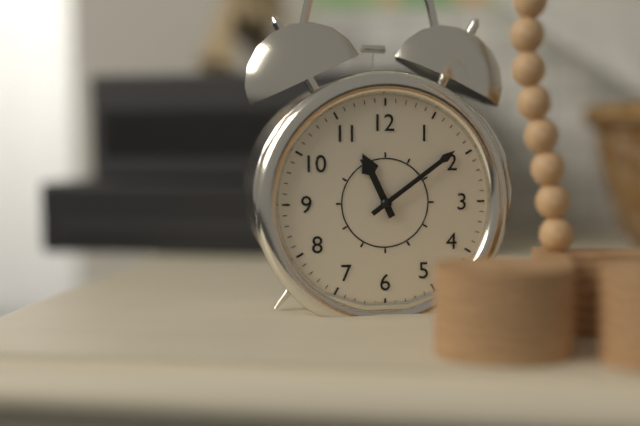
11:09
